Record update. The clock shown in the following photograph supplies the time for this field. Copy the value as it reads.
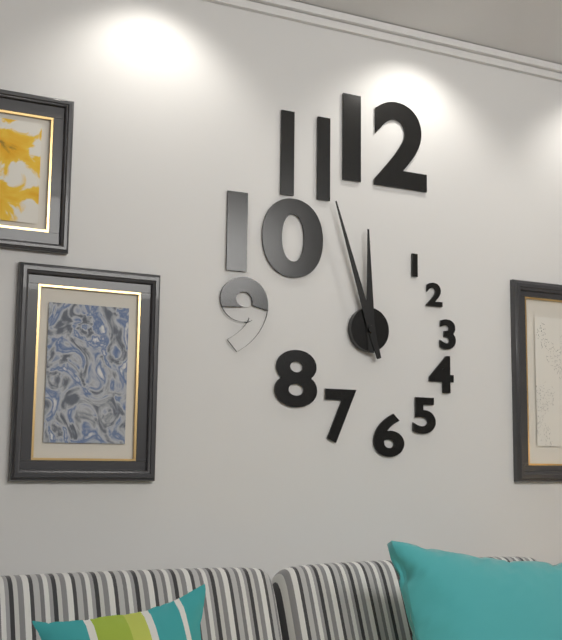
11:57
